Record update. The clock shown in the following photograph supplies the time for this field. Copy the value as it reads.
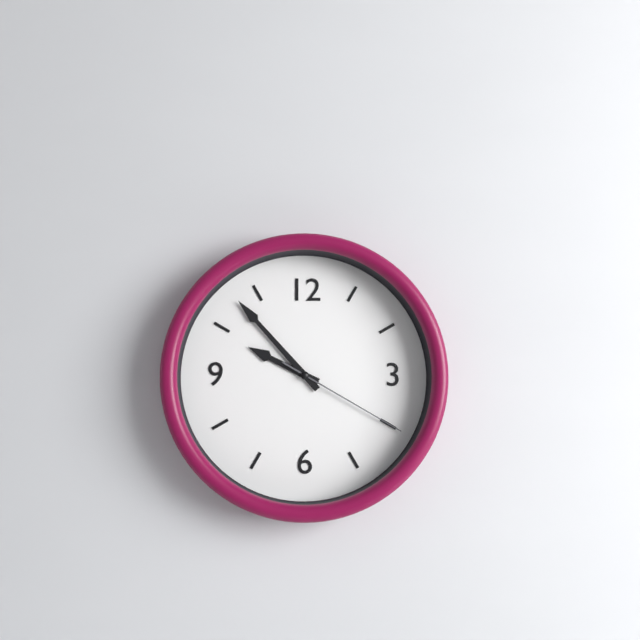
9:53:20
